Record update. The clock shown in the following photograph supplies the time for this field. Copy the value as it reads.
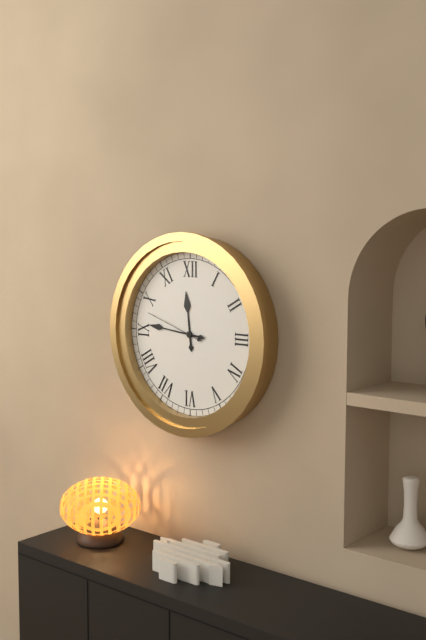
11:46:48
